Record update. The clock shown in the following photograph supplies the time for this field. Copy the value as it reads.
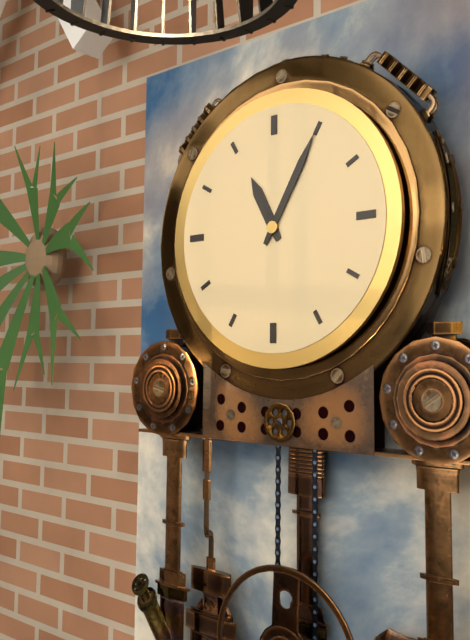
11:05
